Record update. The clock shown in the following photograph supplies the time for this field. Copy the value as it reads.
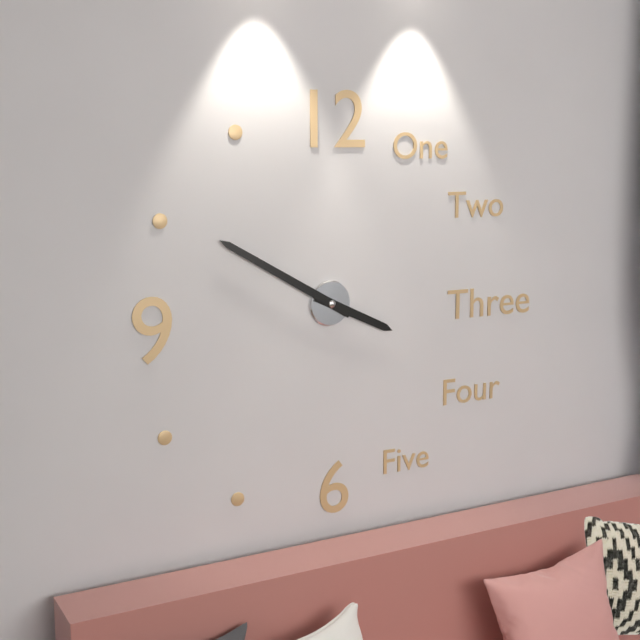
3:50
